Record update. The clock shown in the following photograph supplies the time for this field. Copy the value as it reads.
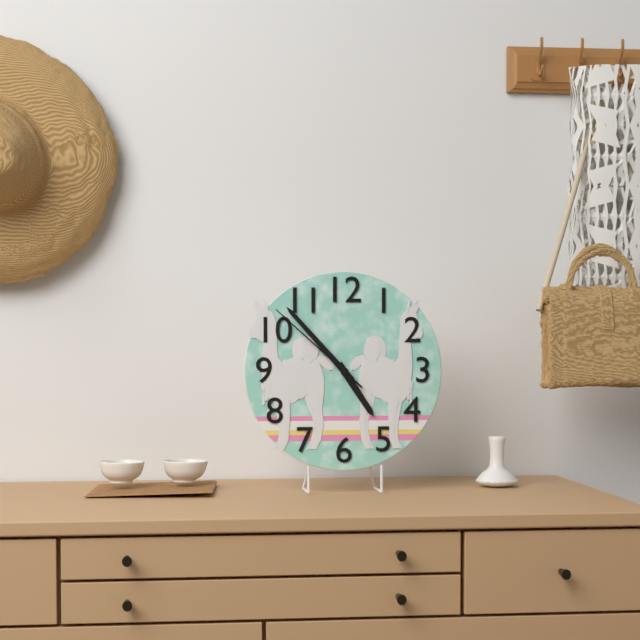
4:53:52
